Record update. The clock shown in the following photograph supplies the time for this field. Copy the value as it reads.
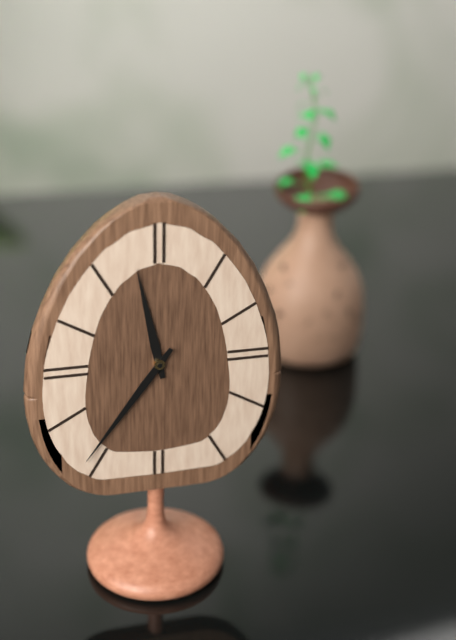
11:36
